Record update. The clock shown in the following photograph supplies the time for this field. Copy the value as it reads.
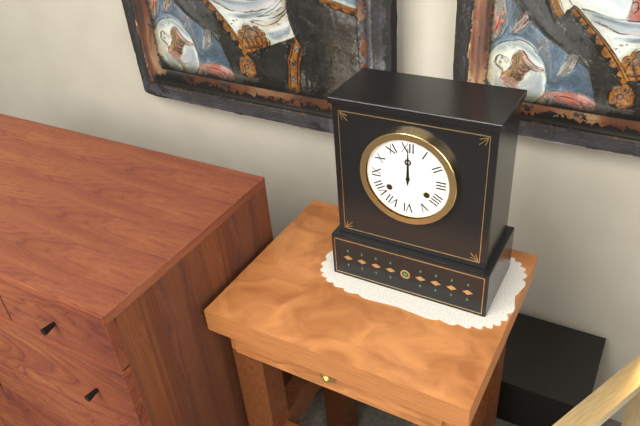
12:00
